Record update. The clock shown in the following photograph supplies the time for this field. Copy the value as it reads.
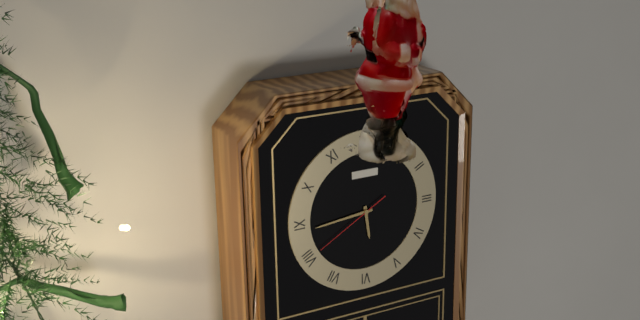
5:44:40
